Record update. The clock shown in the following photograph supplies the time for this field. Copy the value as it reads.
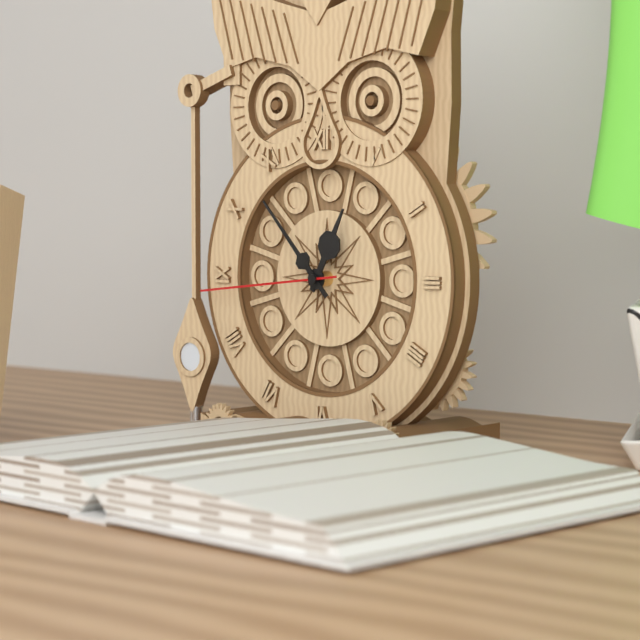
12:53:44
